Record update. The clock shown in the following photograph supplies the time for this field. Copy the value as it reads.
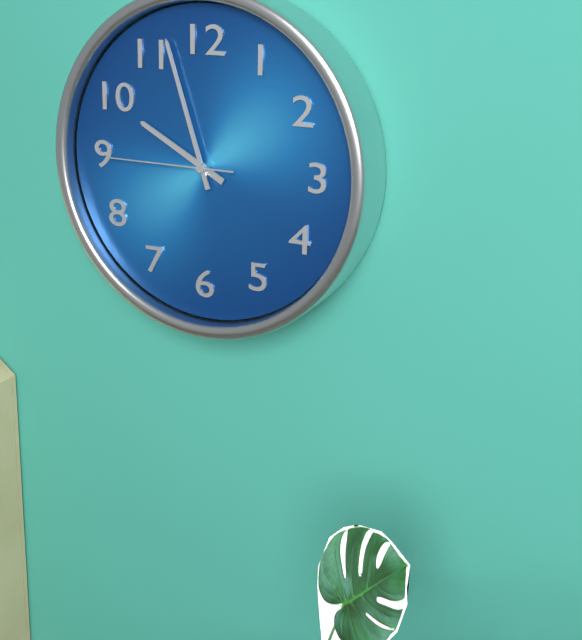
9:57:45
